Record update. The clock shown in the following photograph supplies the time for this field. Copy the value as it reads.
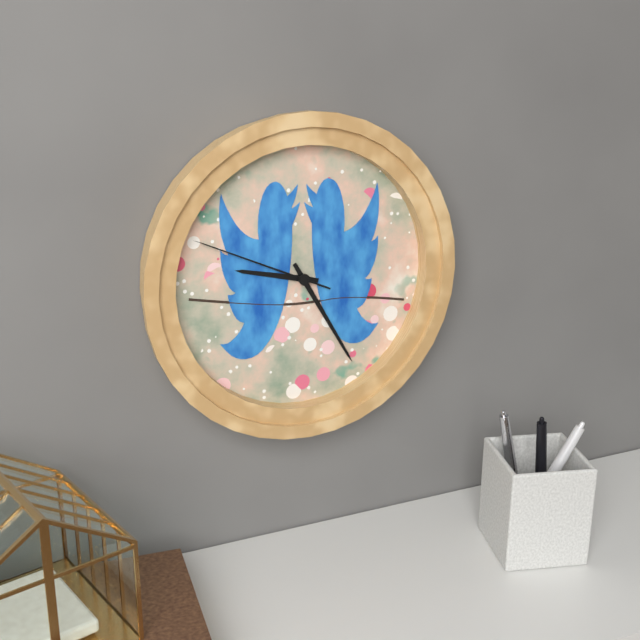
9:25:49
